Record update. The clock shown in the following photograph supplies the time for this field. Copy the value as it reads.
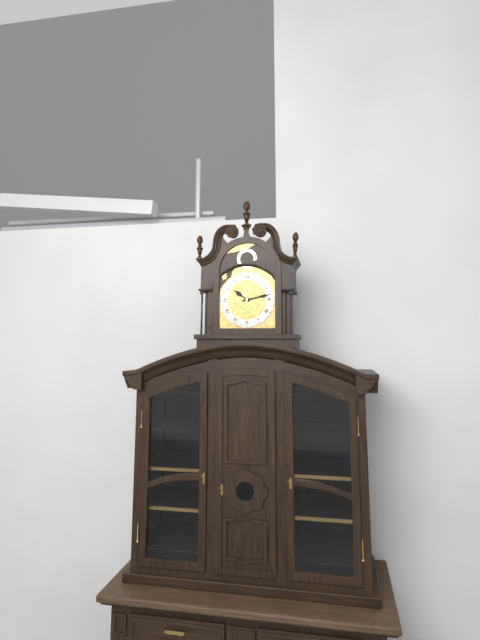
10:13
